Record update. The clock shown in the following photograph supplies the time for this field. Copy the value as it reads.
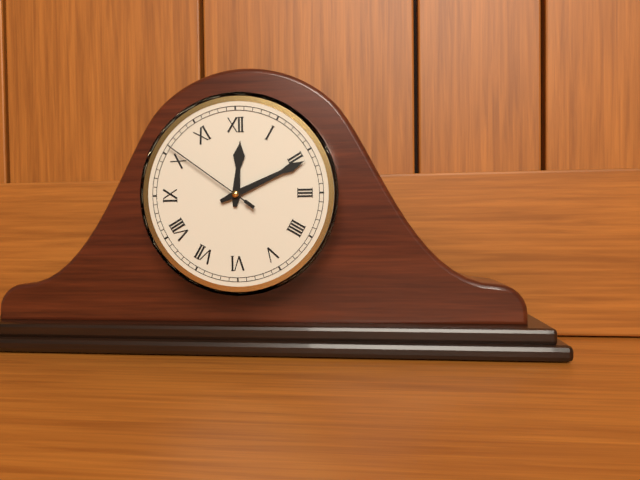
12:11:51
